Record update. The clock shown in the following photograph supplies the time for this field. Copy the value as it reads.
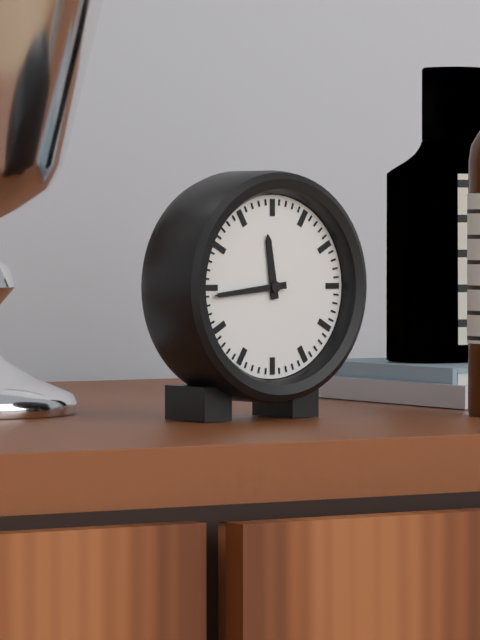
11:44
